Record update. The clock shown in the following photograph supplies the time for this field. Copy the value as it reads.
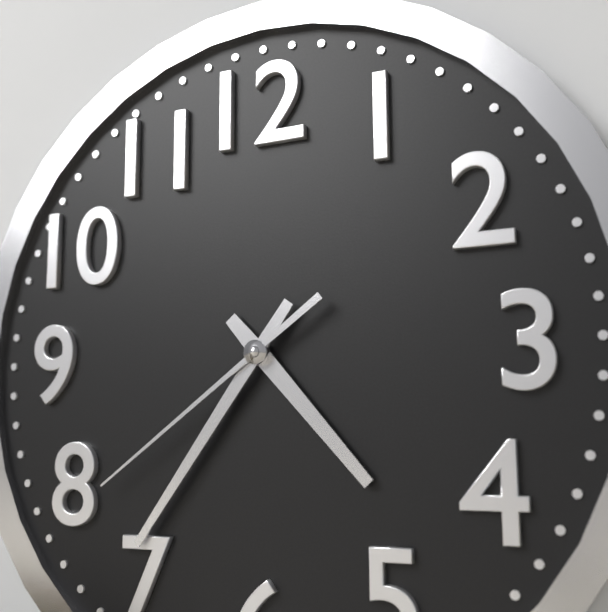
4:36:39
